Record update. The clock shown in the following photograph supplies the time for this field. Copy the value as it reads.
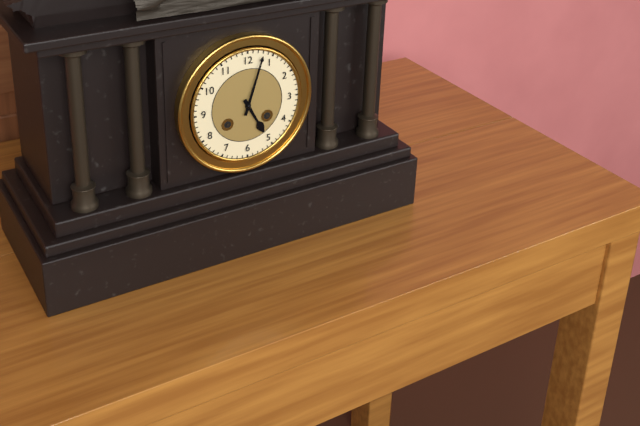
5:03
